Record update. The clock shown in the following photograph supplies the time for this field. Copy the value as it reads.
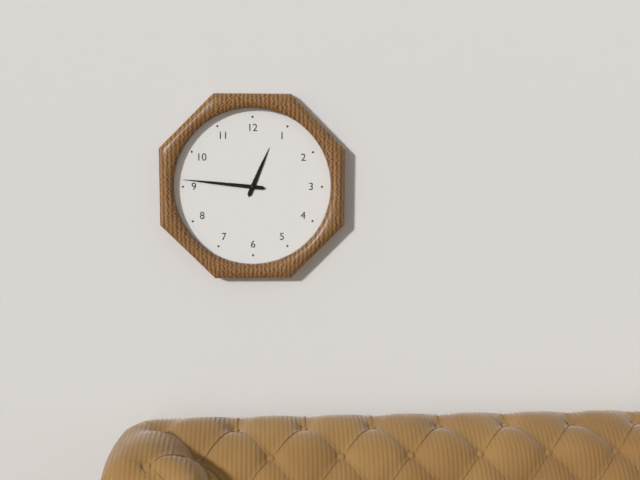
12:46
